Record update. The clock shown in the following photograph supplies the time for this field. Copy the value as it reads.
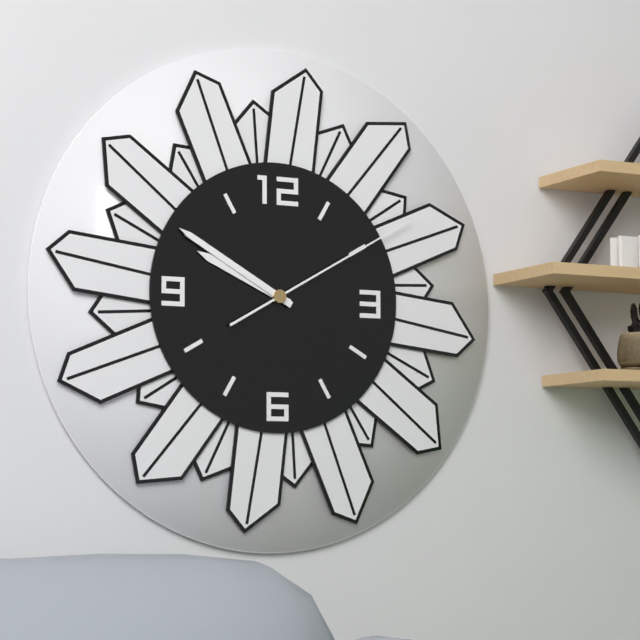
9:50:10
